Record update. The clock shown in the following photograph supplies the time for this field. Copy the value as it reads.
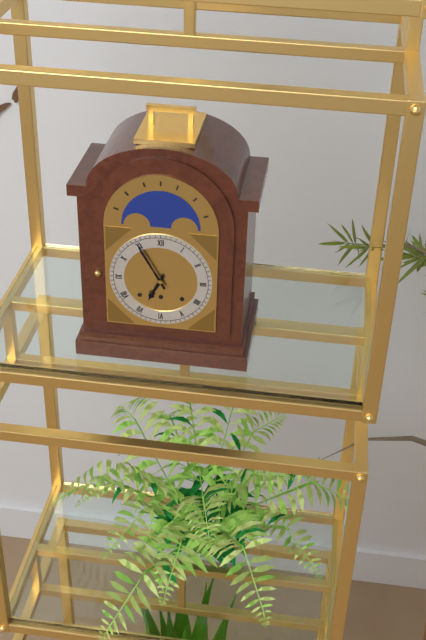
6:55
